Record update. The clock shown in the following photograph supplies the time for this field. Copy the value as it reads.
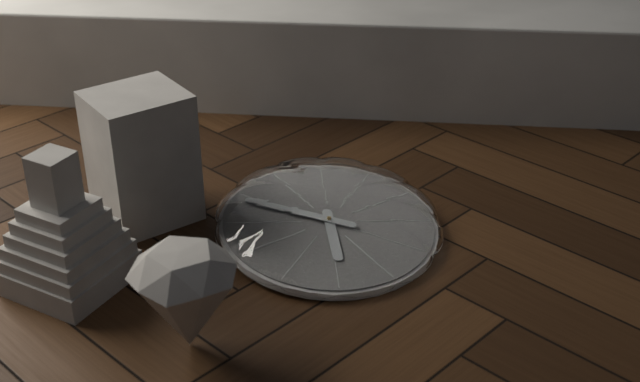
6:54
